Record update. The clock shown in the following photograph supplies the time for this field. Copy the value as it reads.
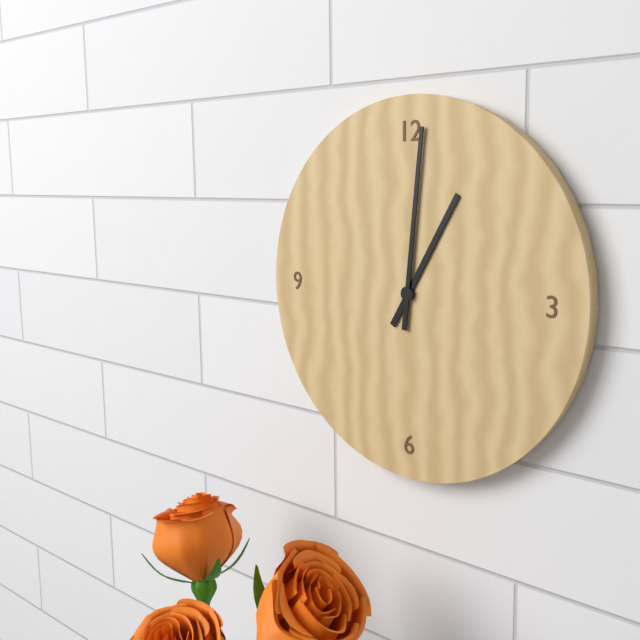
1:01
